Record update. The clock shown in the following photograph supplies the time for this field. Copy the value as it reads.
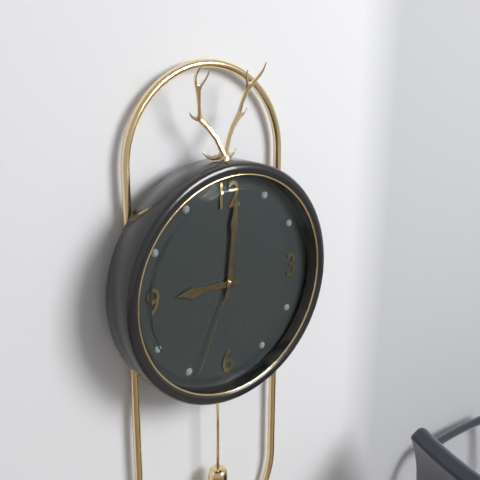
9:01:34
